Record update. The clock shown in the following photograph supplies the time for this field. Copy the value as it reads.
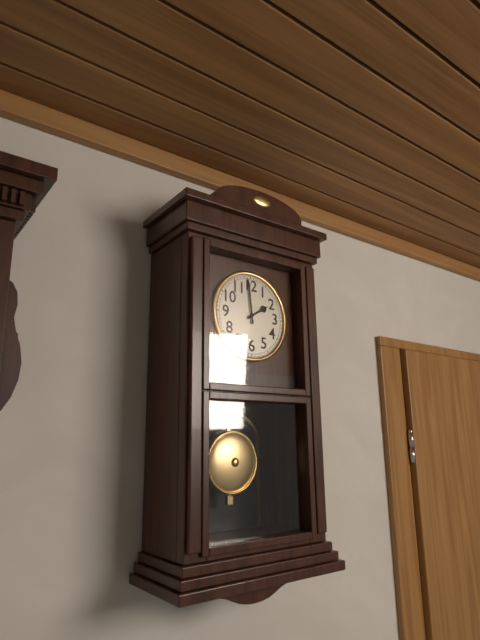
1:59
